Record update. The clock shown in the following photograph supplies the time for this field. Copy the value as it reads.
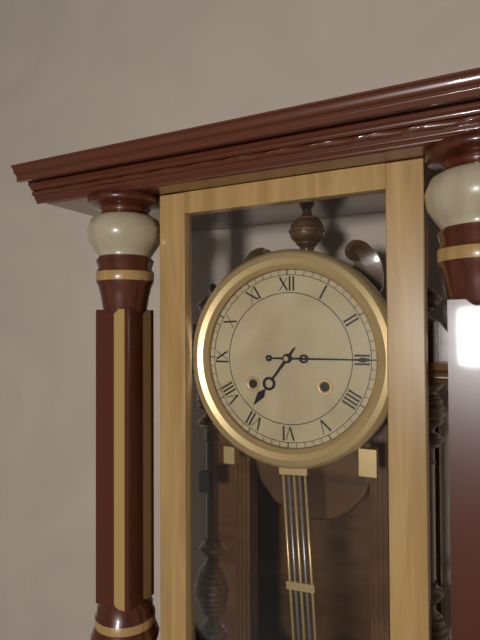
7:15
